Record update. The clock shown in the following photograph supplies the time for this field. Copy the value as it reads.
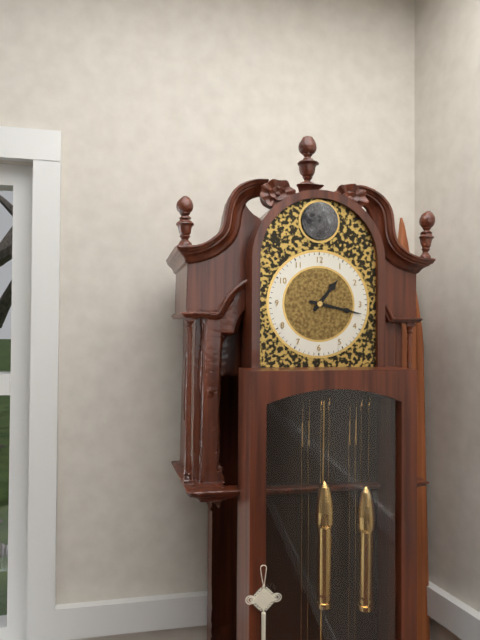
1:17
